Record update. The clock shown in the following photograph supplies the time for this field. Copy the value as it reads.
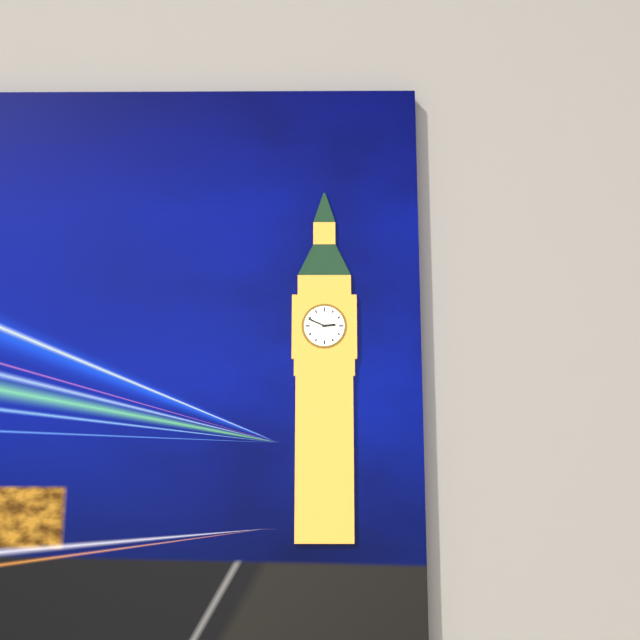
2:49
